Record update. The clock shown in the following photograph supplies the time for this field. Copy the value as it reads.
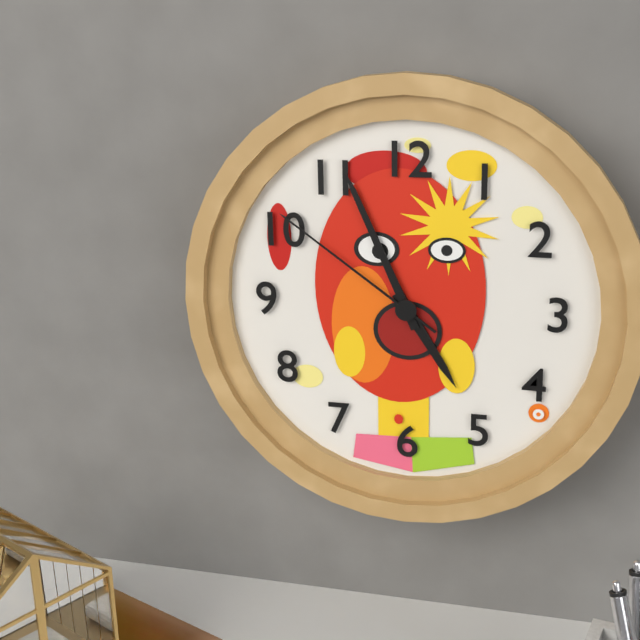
4:56:51
